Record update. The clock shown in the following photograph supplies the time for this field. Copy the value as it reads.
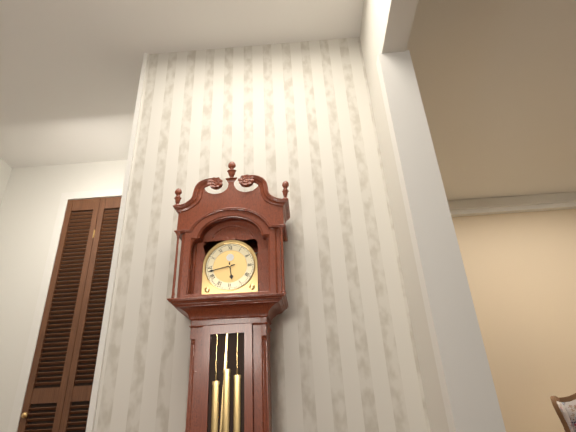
5:43
